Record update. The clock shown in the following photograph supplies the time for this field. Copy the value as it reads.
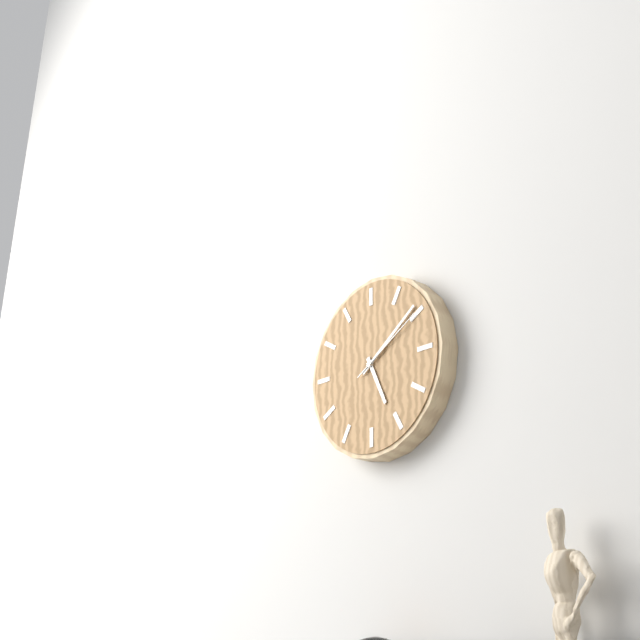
5:09:10
